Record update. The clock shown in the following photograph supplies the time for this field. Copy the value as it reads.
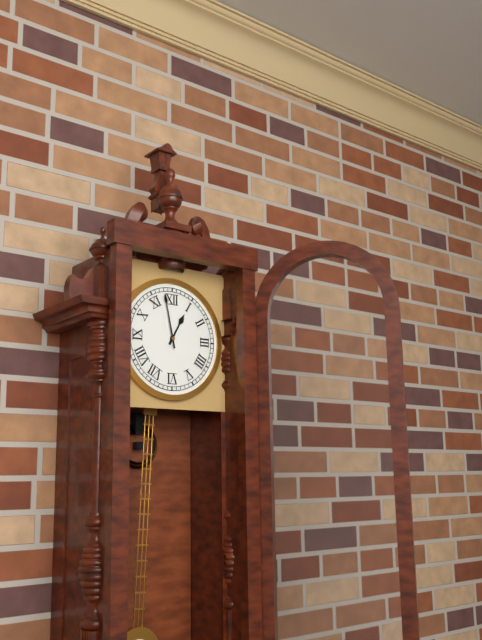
12:58
